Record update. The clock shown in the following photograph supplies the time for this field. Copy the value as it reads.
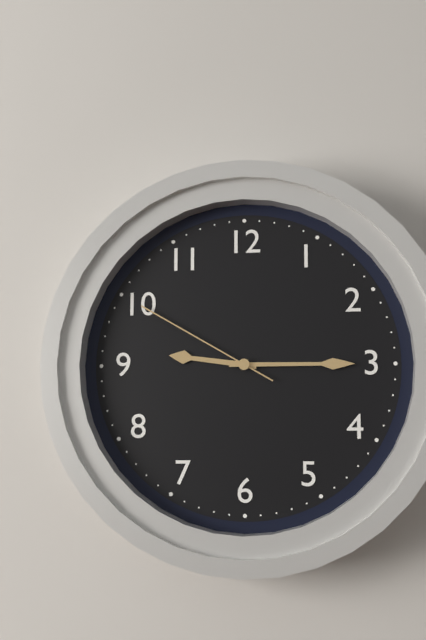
9:15:50
